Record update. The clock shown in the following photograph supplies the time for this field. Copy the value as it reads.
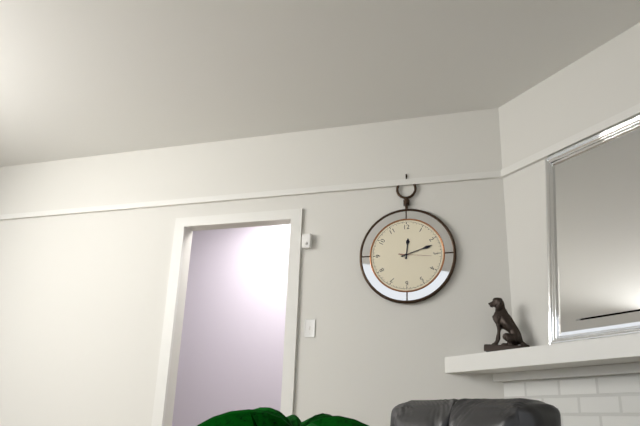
12:12
